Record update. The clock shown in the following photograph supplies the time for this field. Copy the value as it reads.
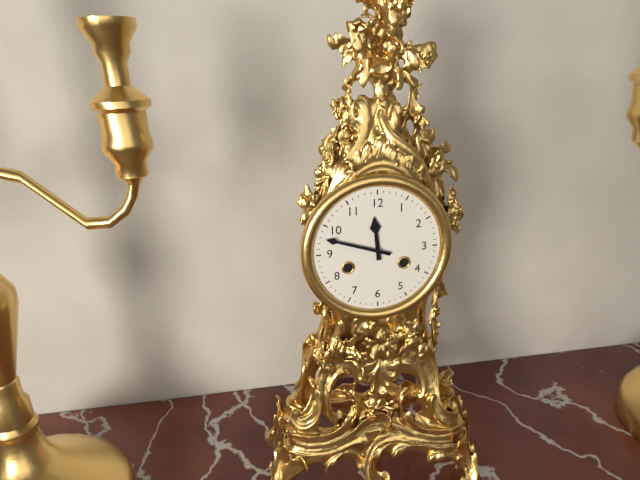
11:48
